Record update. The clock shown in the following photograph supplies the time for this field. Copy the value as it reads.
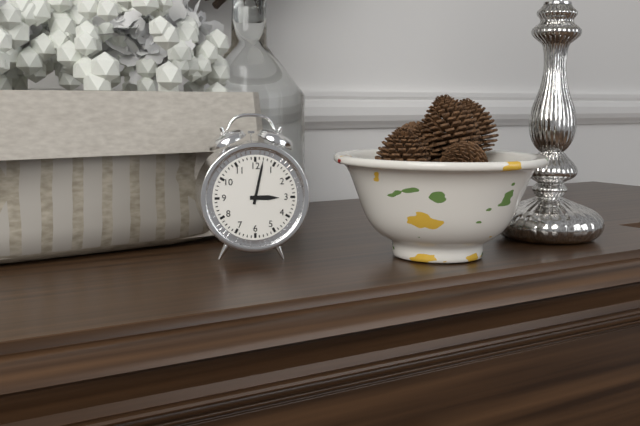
3:02
